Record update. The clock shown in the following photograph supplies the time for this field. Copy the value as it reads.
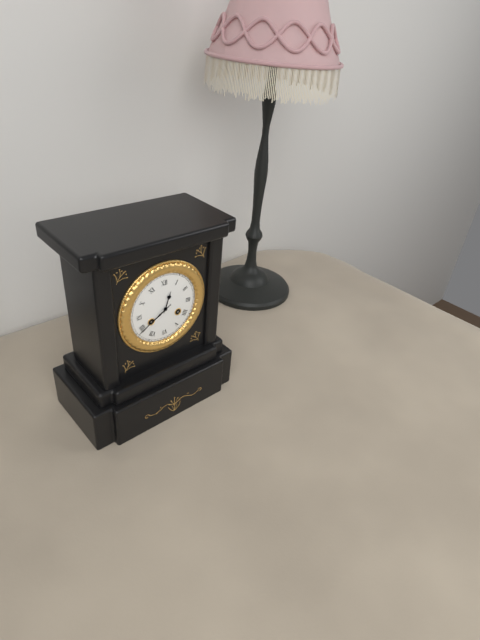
12:40
